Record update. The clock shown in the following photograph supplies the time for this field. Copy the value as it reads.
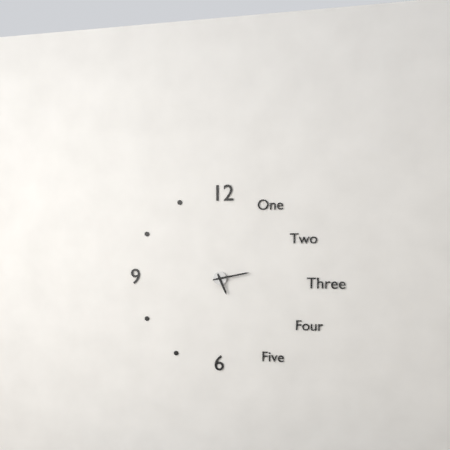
5:13
